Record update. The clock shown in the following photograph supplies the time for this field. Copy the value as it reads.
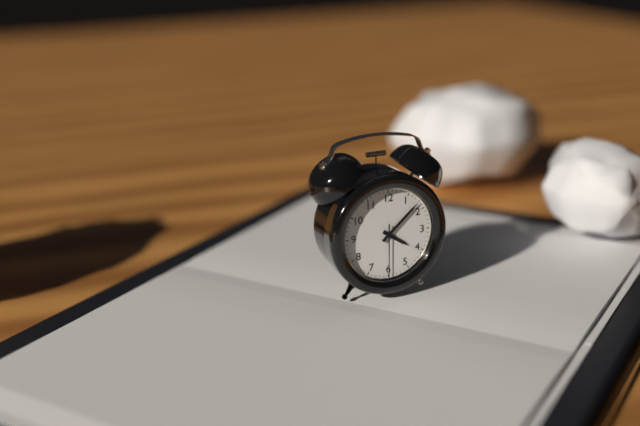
4:08:30
